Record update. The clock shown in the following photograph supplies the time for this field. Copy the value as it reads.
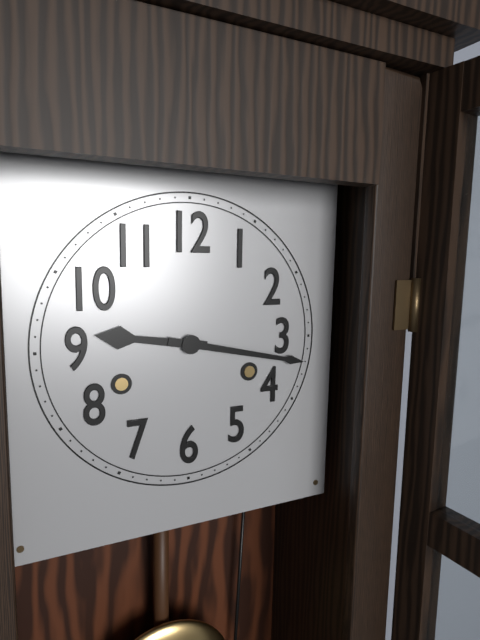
9:17
